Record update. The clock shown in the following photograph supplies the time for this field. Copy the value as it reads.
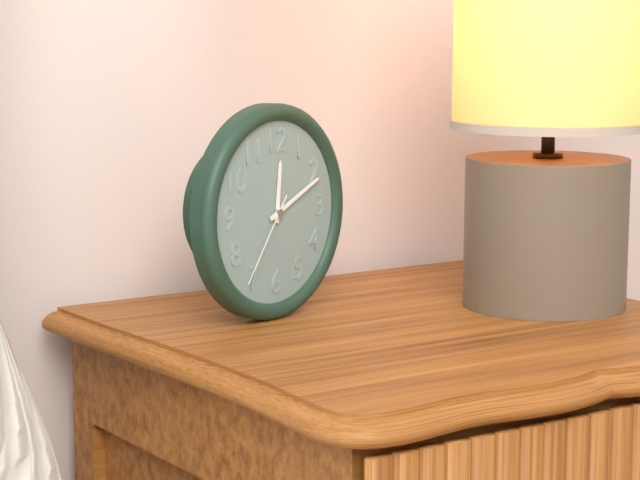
12:11:36
